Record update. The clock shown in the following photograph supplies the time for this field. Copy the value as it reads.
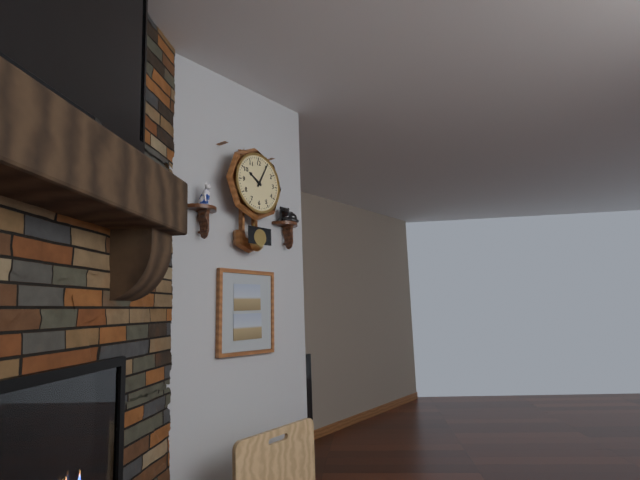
10:05
